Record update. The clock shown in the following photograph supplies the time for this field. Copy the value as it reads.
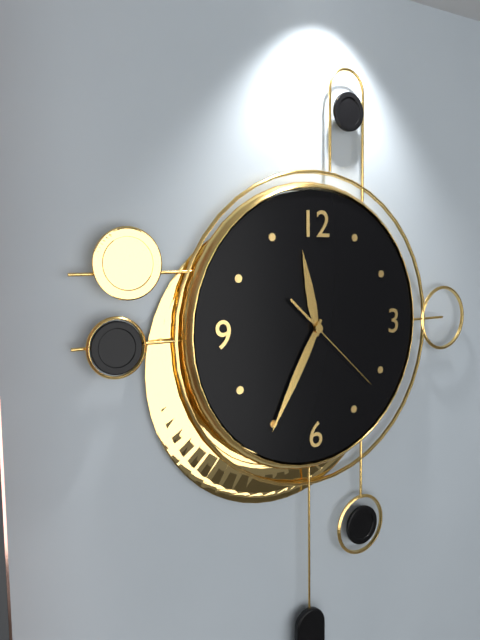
11:35:22
